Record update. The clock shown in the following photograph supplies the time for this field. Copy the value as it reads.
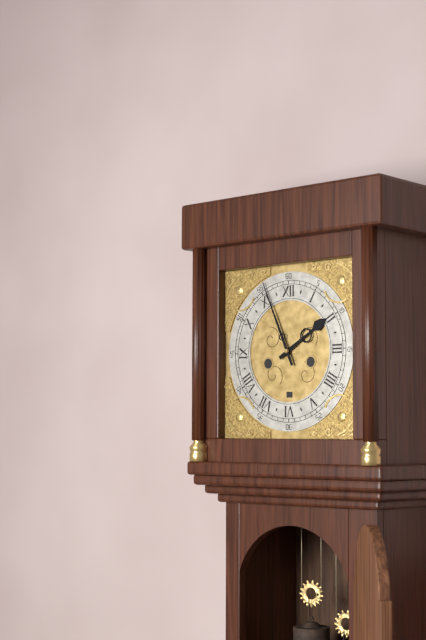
1:56
